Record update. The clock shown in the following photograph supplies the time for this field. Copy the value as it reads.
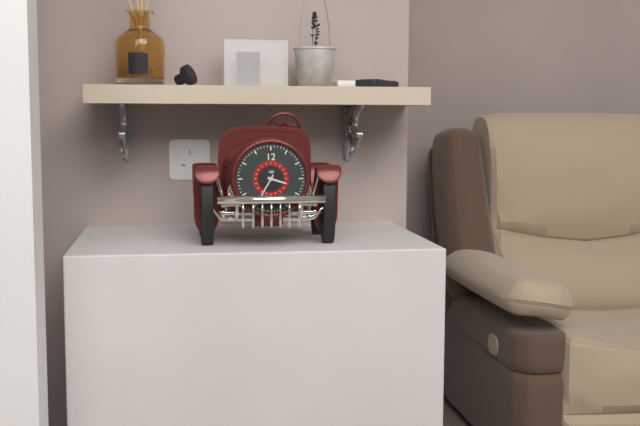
3:35
